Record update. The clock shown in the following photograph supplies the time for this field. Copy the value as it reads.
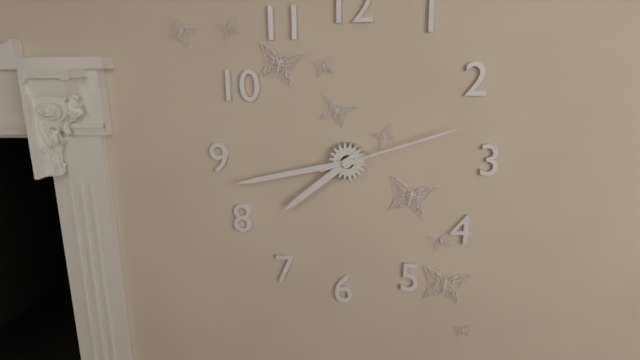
7:43:12
